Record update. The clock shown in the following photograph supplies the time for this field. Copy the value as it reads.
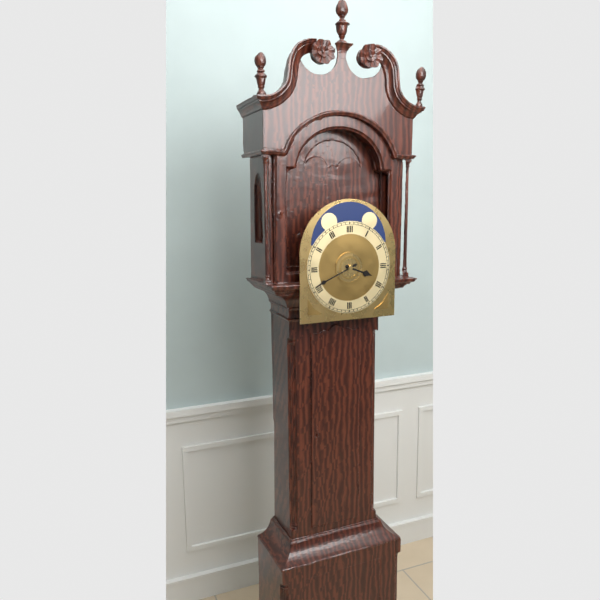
3:41
